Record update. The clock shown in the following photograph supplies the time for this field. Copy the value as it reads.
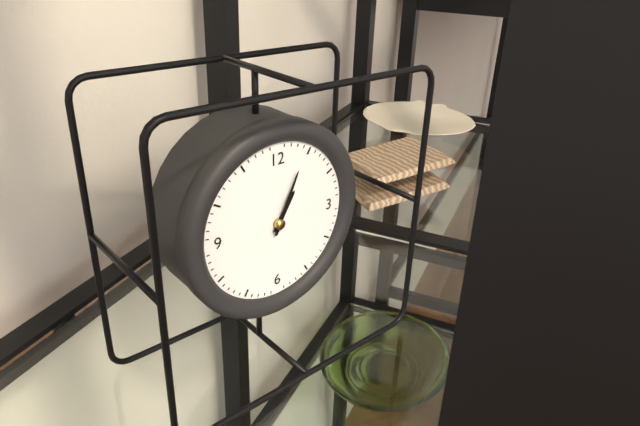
1:04
